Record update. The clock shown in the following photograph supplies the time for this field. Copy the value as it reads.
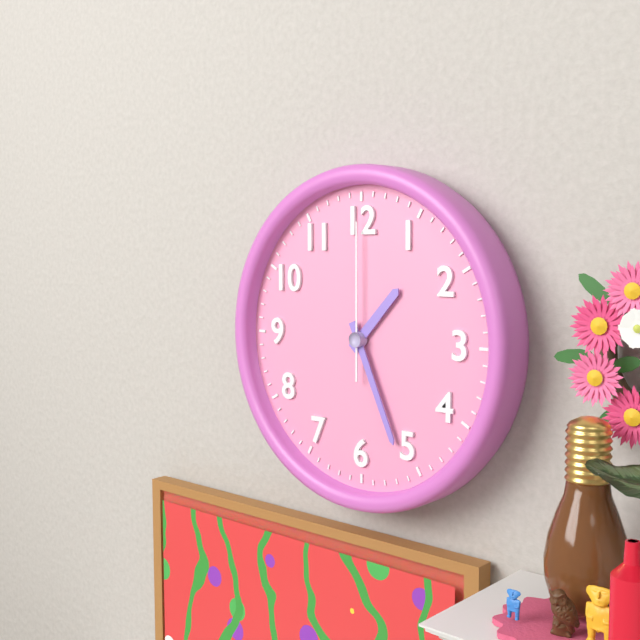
1:26:00
